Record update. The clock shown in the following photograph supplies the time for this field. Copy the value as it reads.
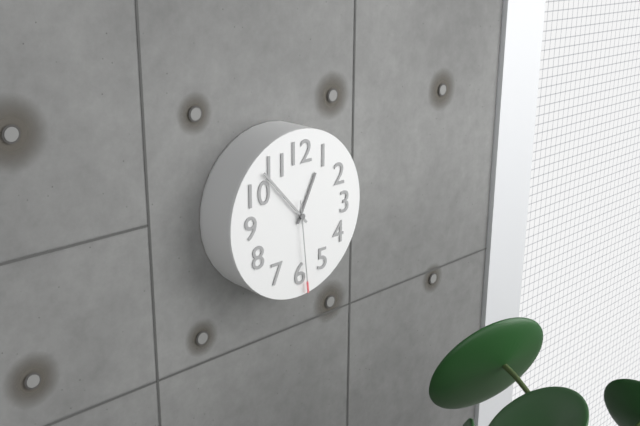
12:53:29
